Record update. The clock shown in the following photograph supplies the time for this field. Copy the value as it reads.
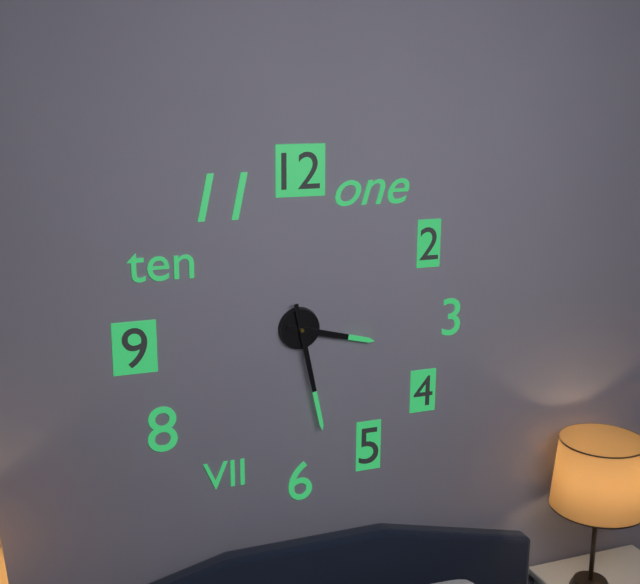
3:28
